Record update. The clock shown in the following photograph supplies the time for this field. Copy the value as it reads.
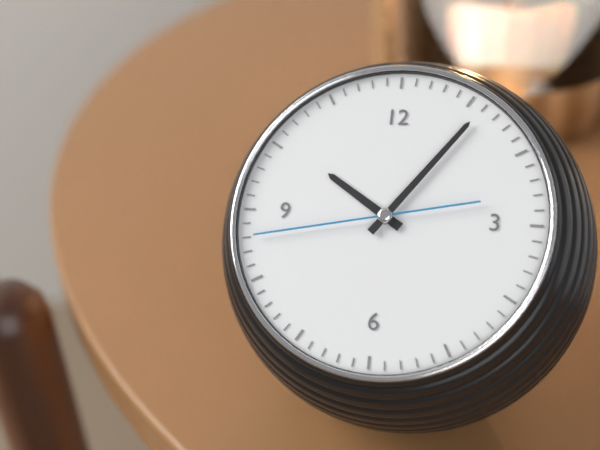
10:06:43
